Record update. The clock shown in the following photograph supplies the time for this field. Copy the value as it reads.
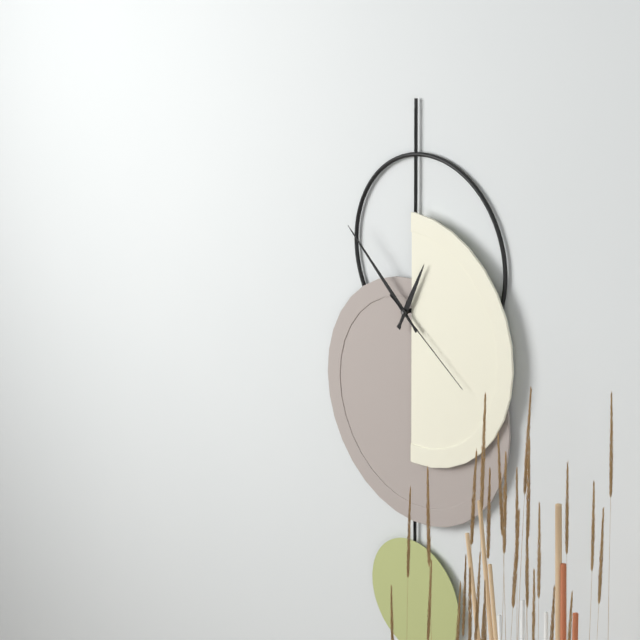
12:52:21
